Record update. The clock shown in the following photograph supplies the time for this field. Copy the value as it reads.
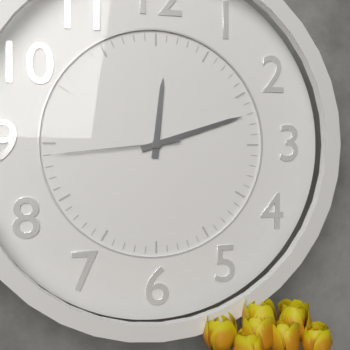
12:12:44
